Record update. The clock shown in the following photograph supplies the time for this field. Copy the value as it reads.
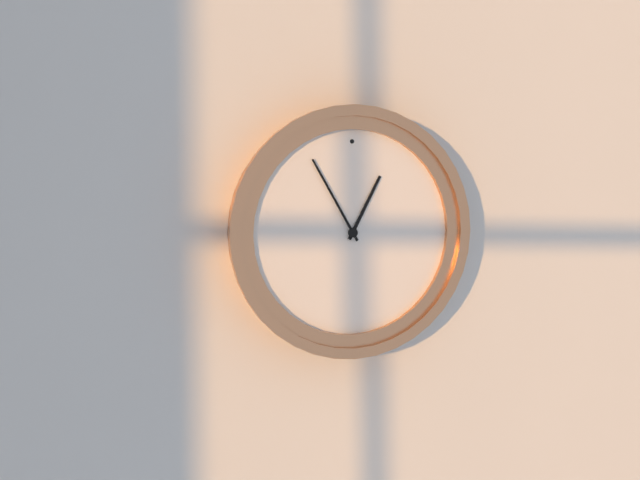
12:55
